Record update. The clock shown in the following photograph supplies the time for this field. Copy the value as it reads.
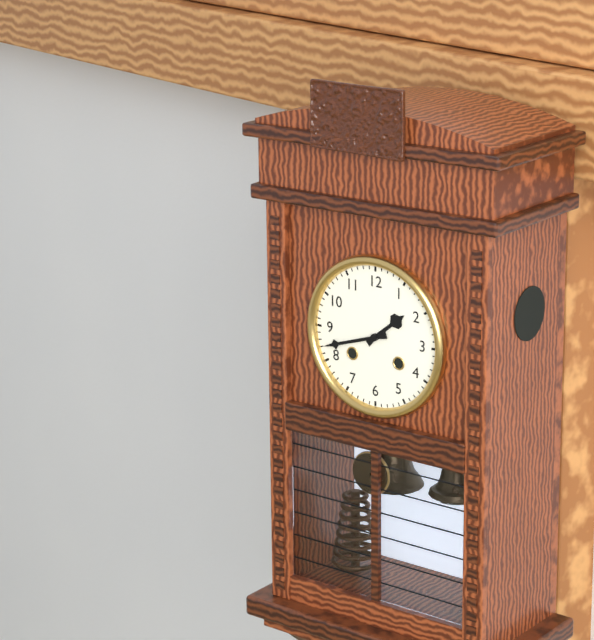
1:42
